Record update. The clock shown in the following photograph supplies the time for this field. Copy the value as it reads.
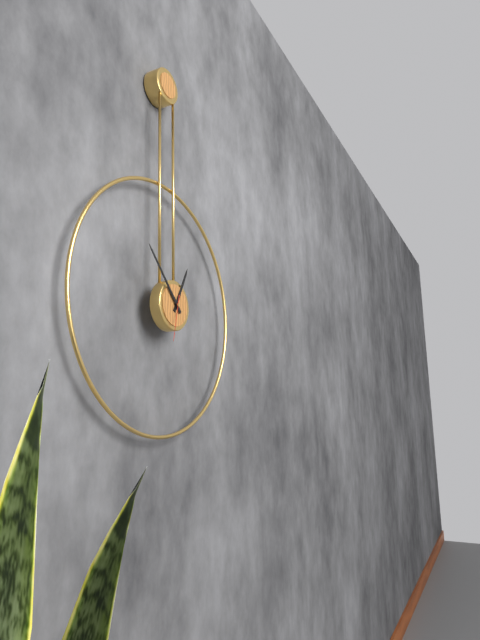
12:53
